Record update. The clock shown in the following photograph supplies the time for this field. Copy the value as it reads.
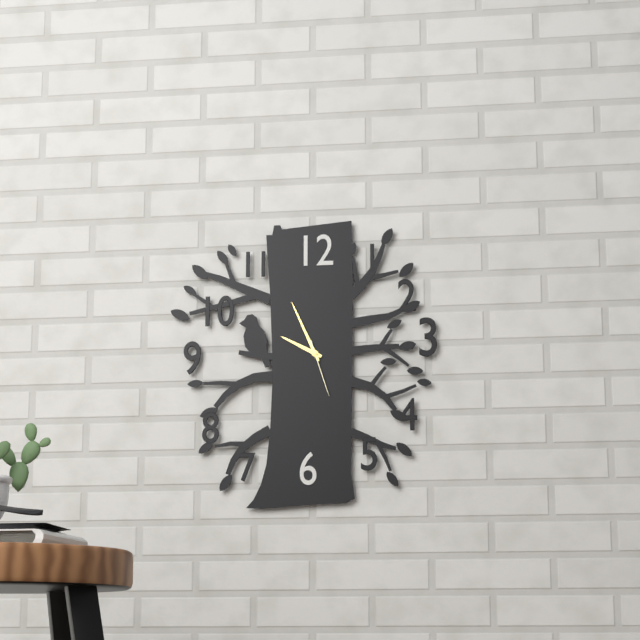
9:56:27
